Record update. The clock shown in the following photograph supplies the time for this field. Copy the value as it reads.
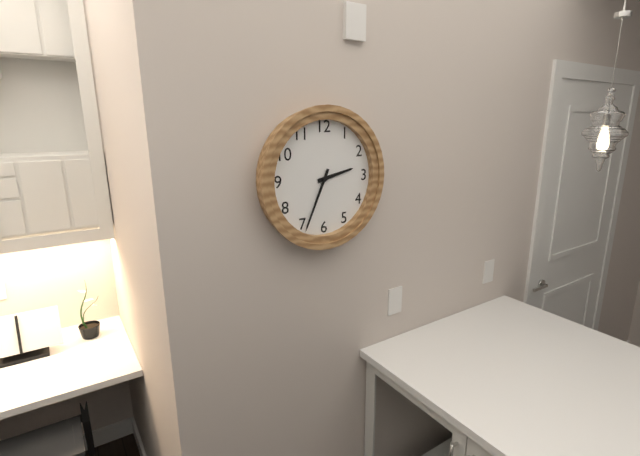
2:34
